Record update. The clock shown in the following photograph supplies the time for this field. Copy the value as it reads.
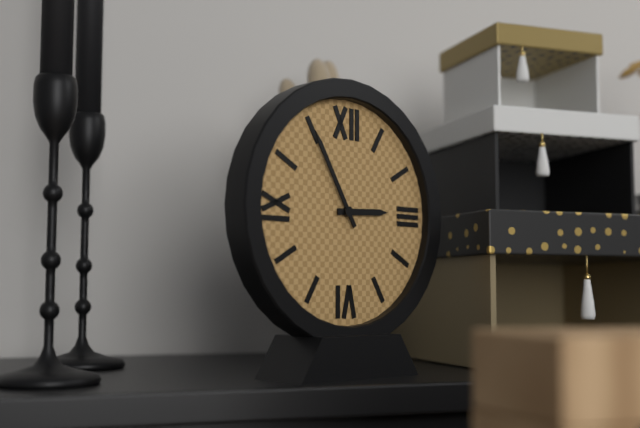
2:55
